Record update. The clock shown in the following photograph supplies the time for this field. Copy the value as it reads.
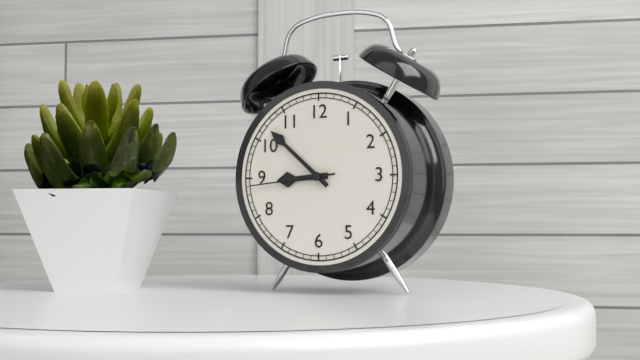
8:52:44
